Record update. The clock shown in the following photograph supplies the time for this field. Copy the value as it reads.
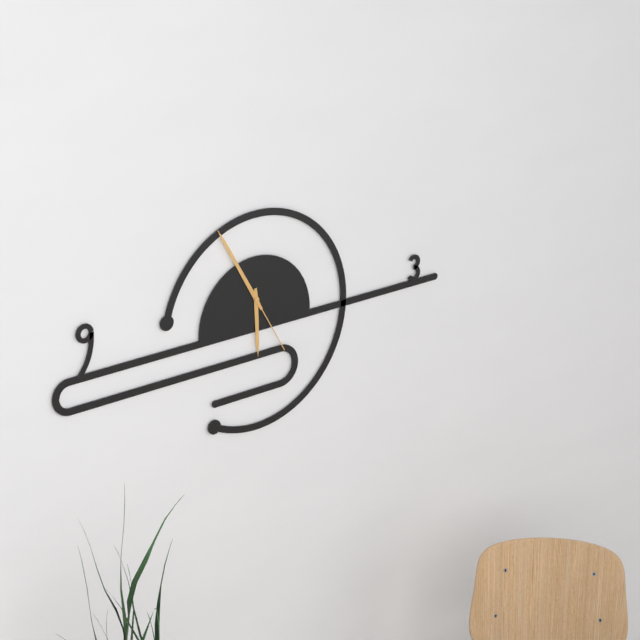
5:55:25
